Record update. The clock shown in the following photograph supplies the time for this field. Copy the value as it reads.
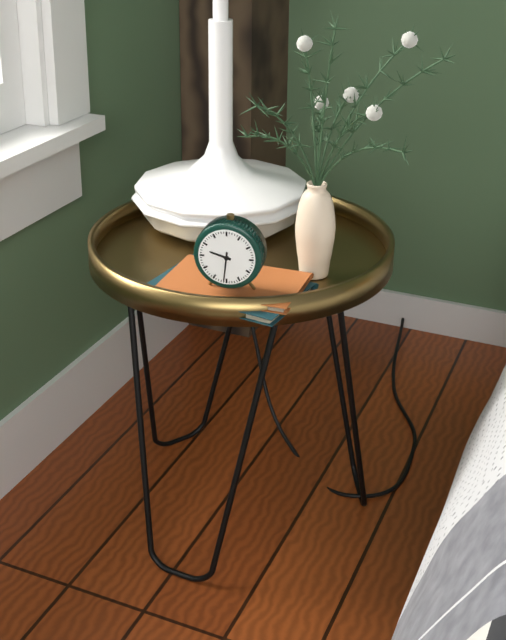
9:31
